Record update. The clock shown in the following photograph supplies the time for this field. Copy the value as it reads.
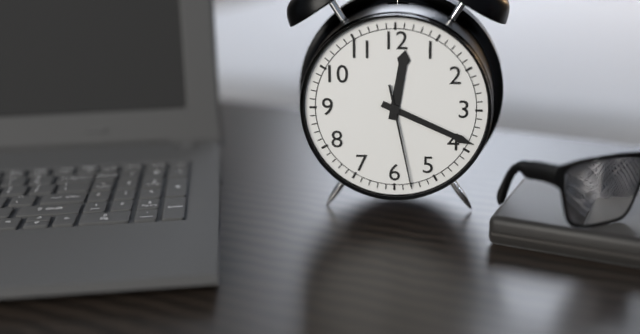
12:19:28
